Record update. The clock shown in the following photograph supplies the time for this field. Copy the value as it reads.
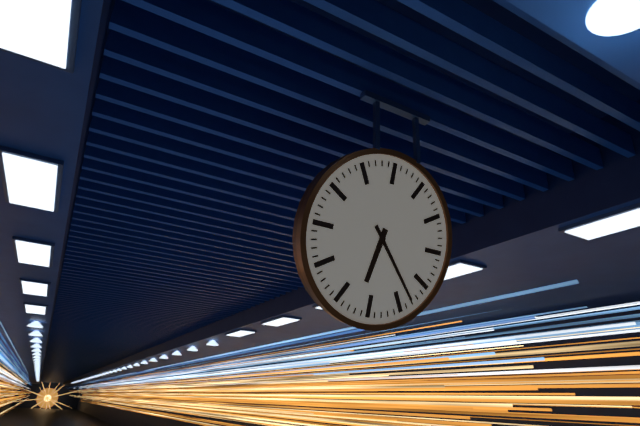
6:23
